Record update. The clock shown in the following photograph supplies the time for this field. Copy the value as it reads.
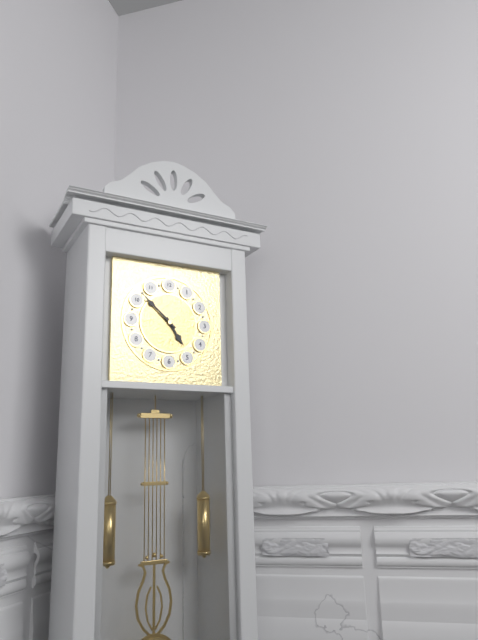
4:52
